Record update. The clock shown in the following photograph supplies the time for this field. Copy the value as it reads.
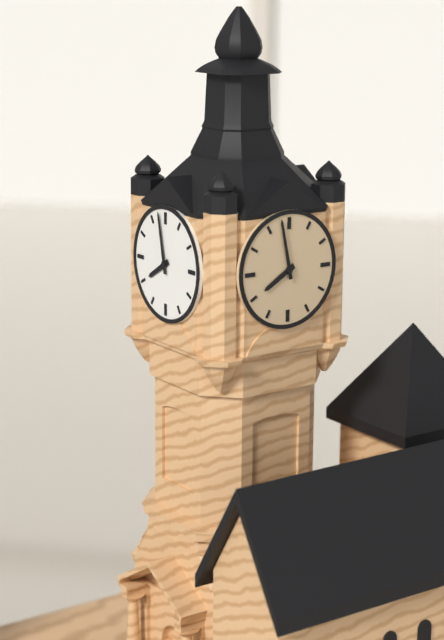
7:58
